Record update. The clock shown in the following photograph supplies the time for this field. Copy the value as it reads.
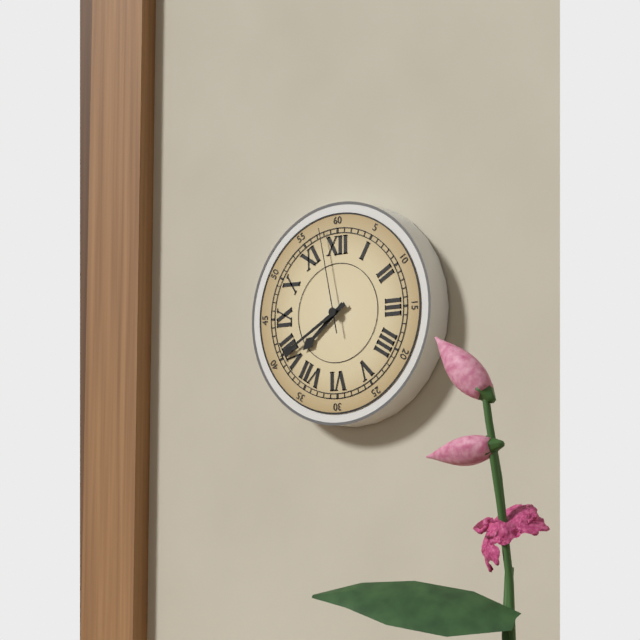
7:40:58
